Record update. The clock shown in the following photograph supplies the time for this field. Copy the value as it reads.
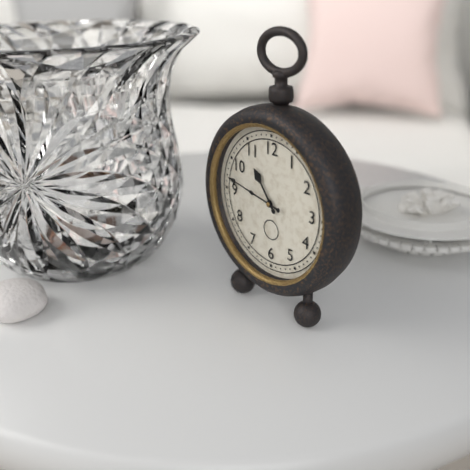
10:47
